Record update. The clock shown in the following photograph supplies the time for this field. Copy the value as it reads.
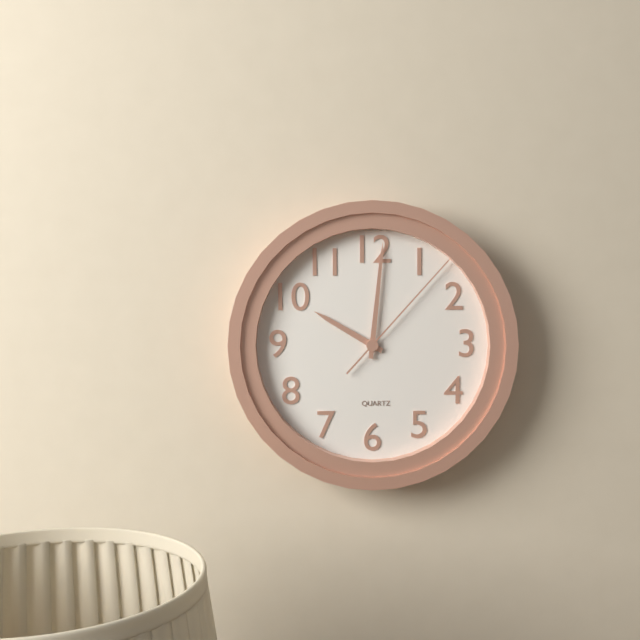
10:01:07
